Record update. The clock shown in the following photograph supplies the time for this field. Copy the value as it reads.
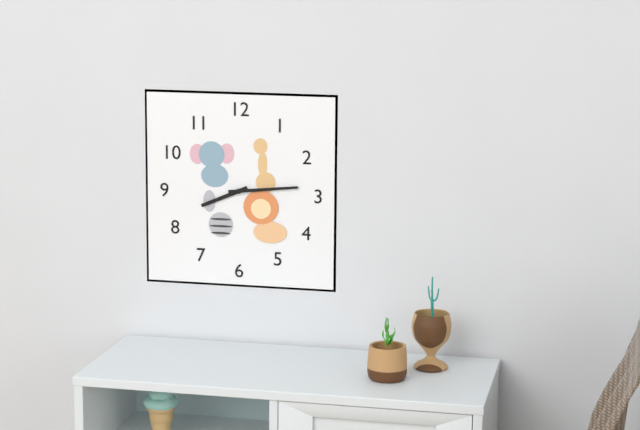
8:14
